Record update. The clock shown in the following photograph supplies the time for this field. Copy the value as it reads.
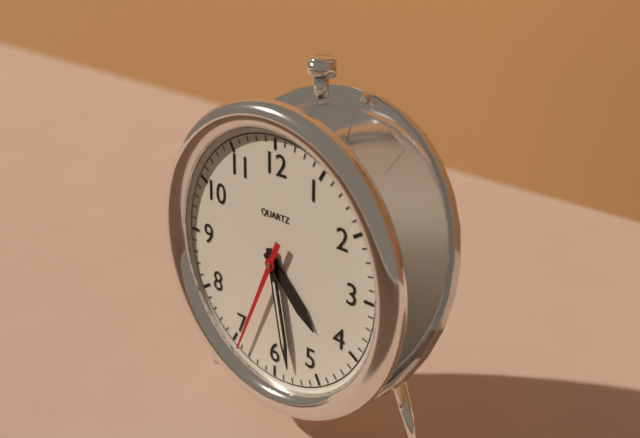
4:28:34
